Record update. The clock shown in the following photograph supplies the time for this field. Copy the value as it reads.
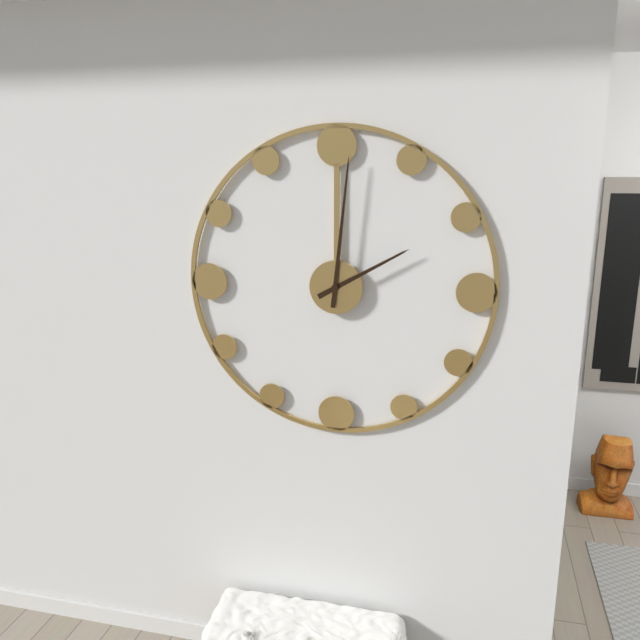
2:01
